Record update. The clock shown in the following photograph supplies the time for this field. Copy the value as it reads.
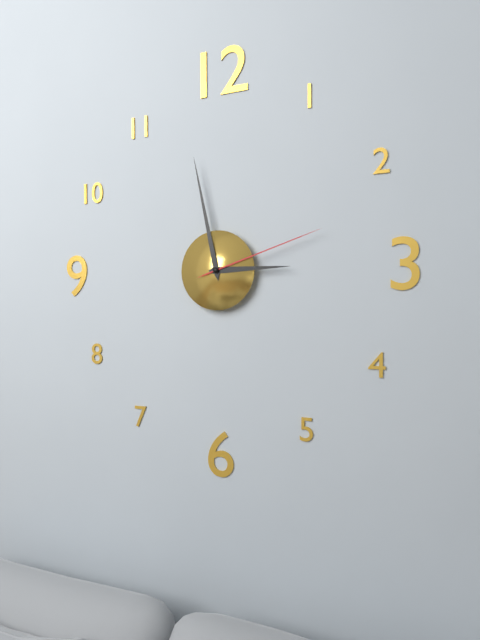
2:58:12
